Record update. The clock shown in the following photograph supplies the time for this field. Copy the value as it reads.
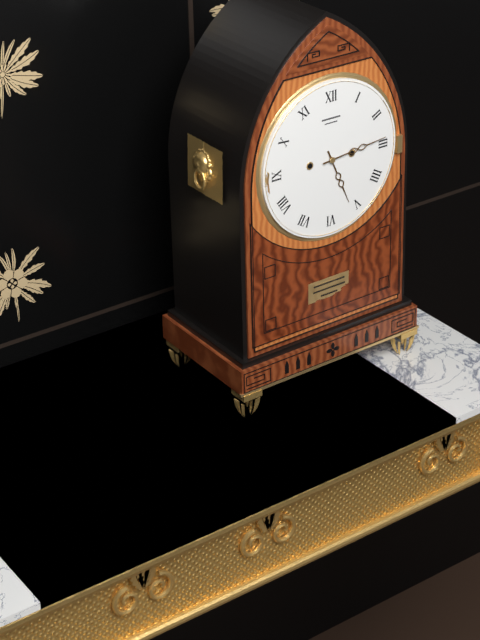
5:14
